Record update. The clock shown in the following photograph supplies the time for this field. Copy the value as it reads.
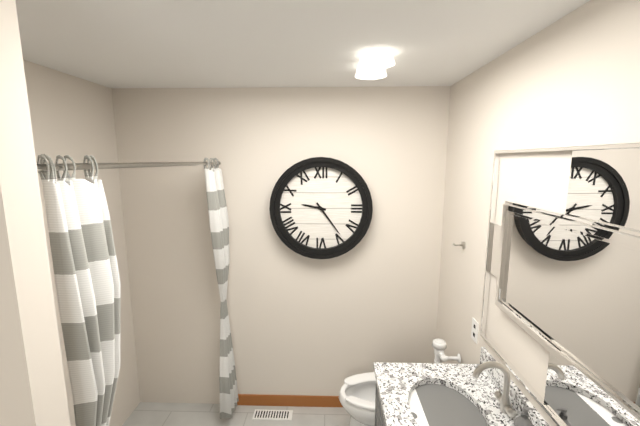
9:24
